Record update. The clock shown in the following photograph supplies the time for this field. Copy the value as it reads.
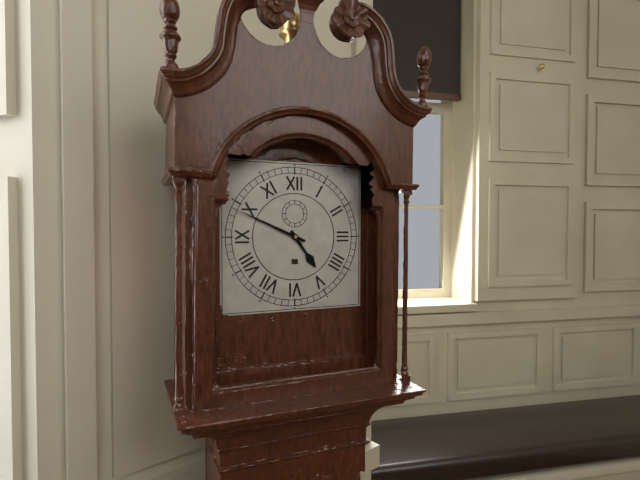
4:49
